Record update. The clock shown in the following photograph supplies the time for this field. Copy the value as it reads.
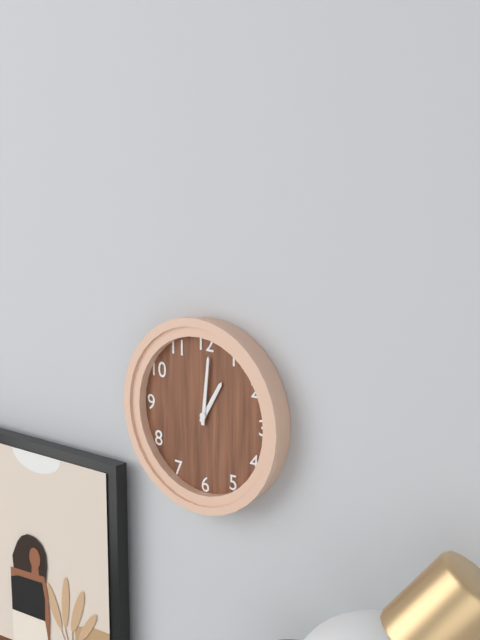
1:01
